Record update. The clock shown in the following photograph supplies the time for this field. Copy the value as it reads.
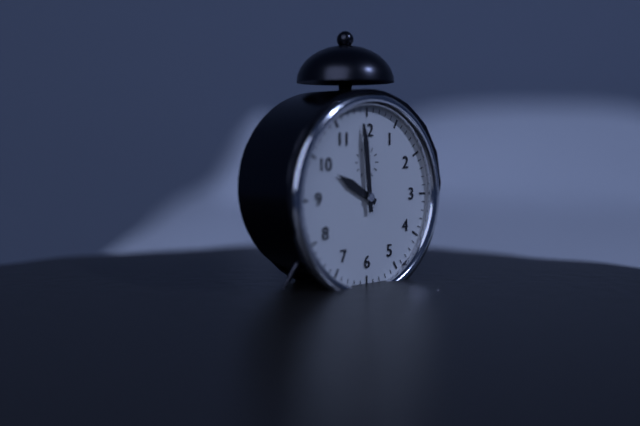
9:59
